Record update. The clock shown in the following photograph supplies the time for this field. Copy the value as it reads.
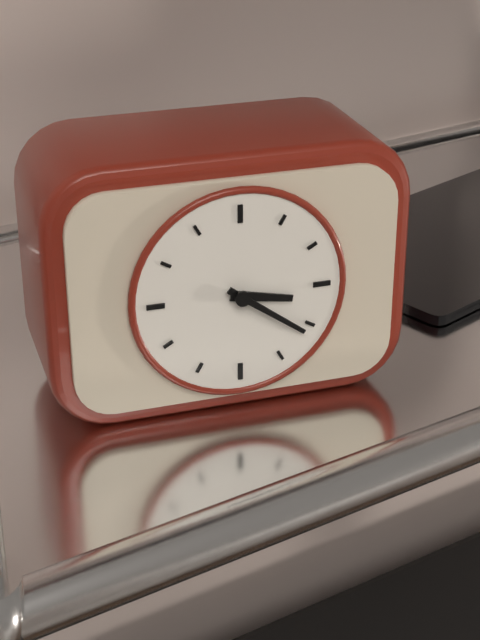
3:21
